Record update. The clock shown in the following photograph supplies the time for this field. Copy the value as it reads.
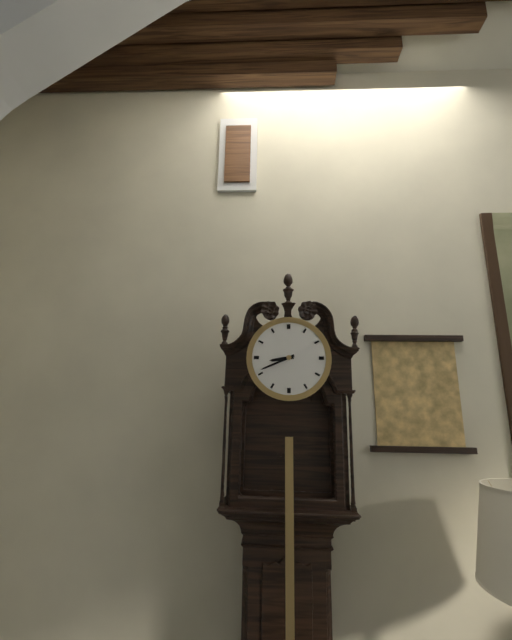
8:41
